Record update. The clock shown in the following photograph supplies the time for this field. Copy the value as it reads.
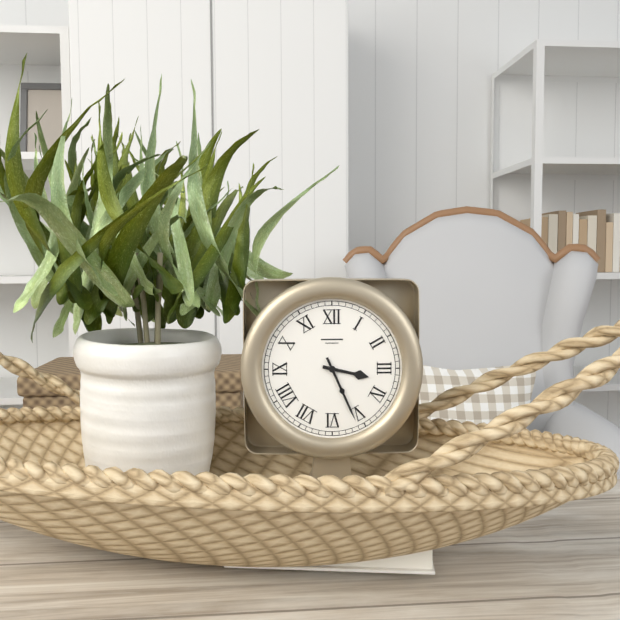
3:26
